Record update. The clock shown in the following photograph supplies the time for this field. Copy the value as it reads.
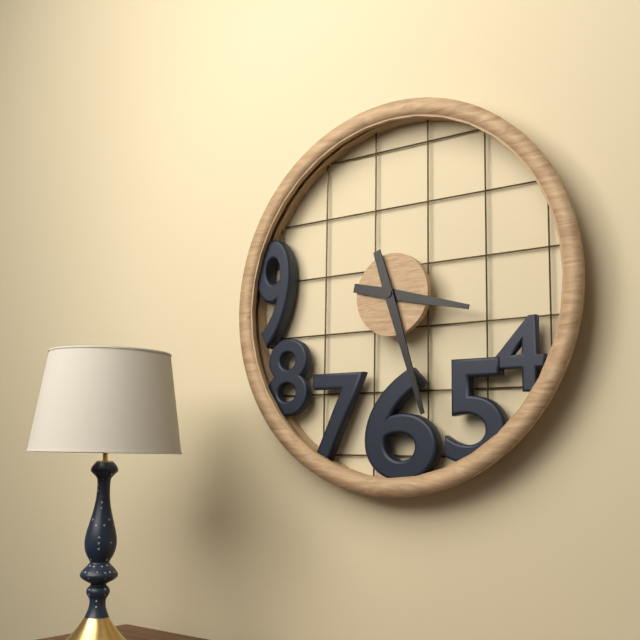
3:27
